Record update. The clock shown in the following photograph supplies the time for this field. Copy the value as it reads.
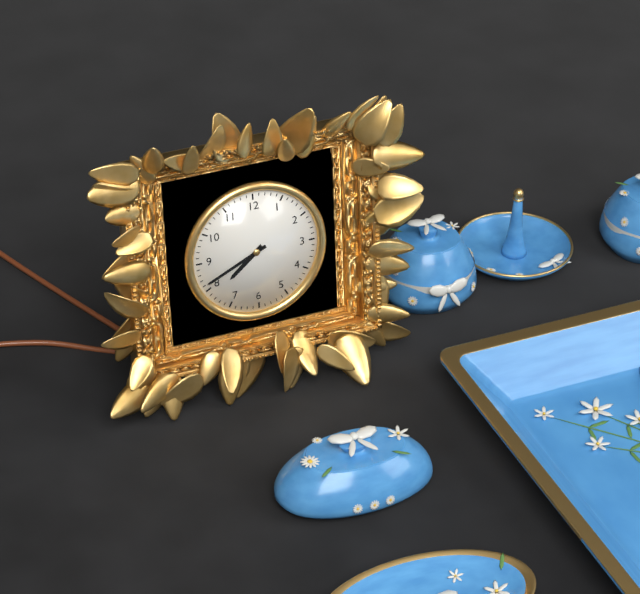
7:41
